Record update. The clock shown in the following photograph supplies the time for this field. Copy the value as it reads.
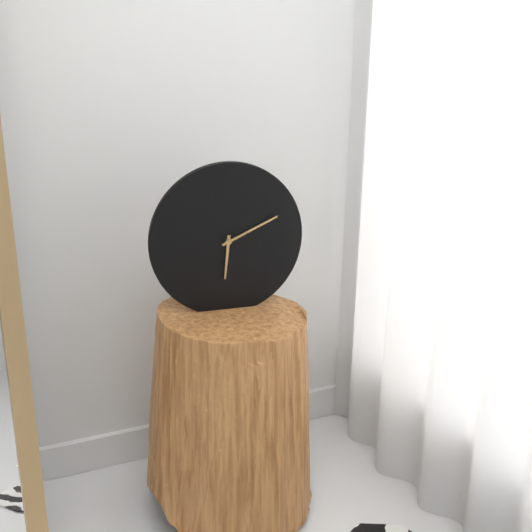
6:11
